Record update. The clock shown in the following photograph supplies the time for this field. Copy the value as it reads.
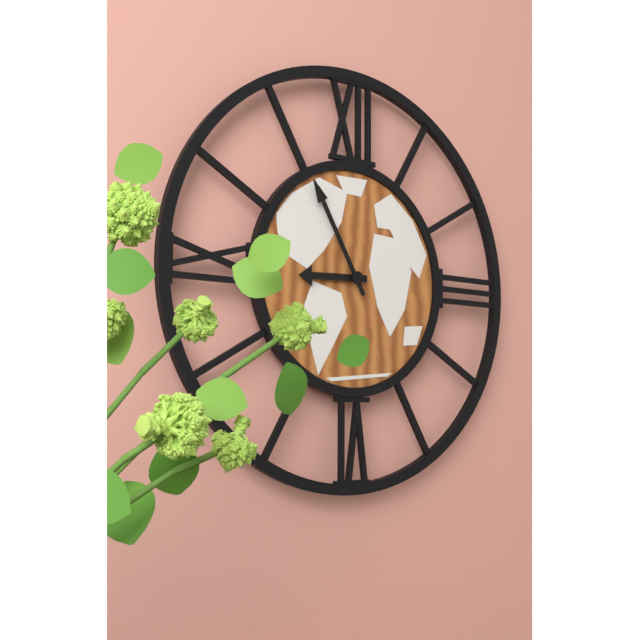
8:55
